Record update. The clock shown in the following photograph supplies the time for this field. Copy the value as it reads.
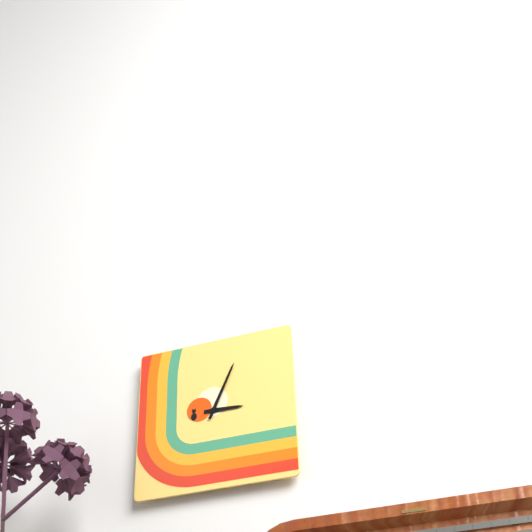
3:04
